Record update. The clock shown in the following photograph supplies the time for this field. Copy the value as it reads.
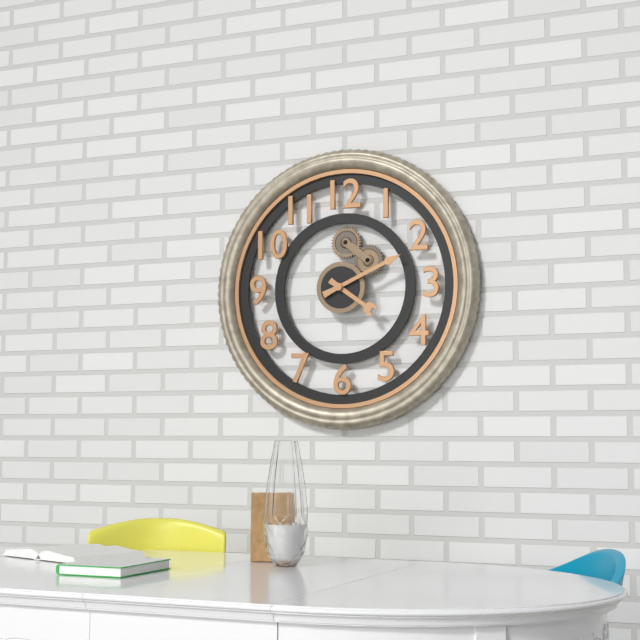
4:11
